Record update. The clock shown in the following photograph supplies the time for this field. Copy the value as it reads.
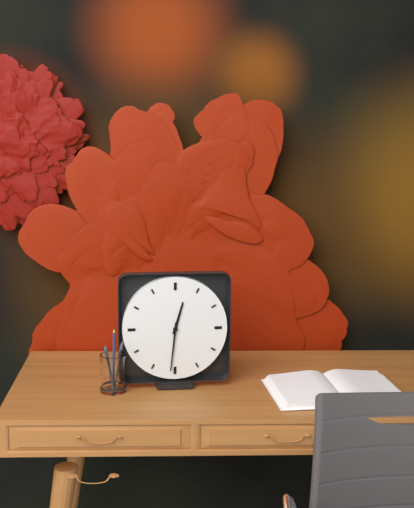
12:31
